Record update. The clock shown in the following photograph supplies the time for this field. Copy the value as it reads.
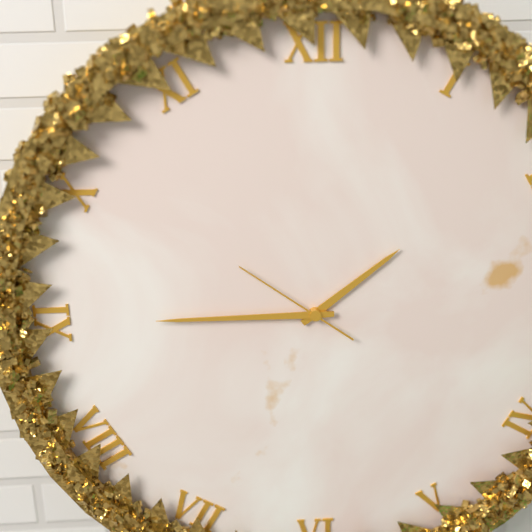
1:45:51
